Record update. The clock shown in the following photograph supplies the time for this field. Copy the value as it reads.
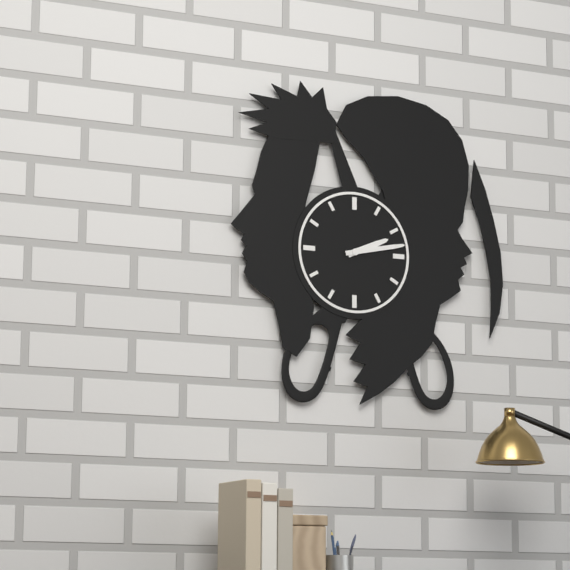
2:13
